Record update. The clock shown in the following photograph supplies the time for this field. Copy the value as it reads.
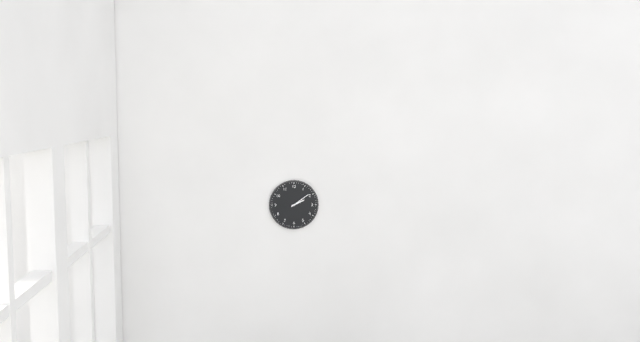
2:09
